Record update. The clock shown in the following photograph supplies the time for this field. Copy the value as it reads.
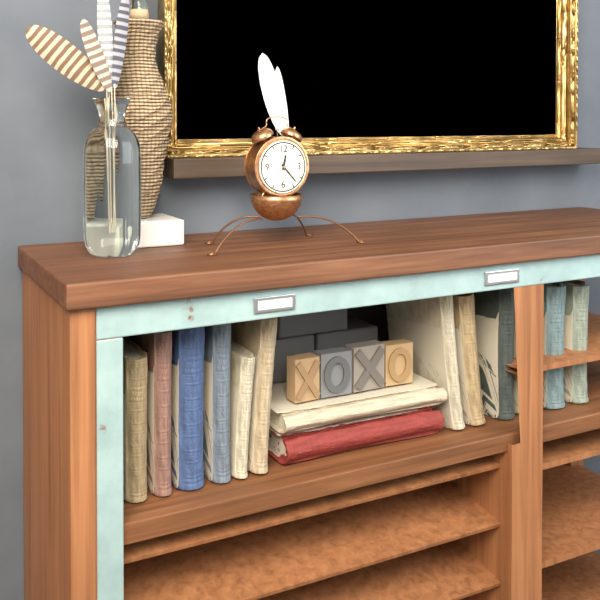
12:23
